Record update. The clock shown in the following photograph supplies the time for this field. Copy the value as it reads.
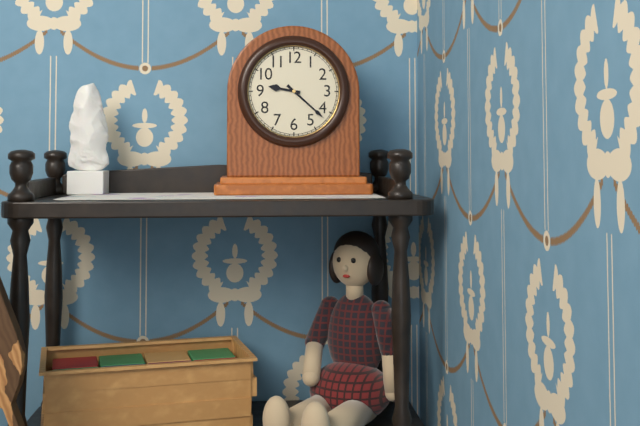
9:22
